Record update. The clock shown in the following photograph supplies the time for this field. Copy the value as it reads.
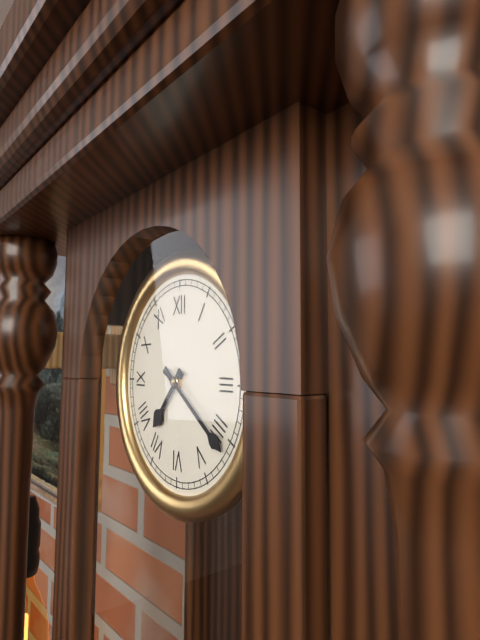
7:21
